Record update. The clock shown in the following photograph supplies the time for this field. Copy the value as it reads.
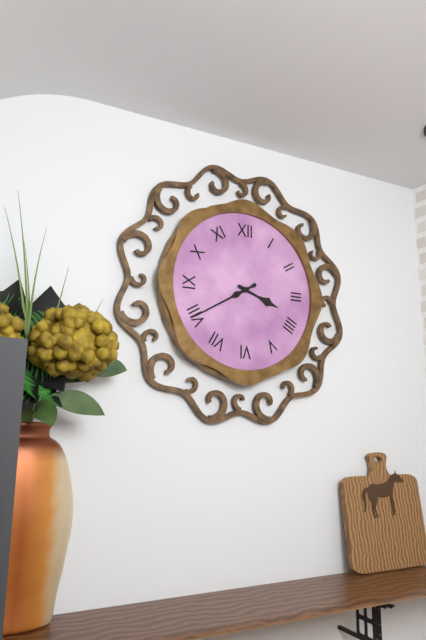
3:40
